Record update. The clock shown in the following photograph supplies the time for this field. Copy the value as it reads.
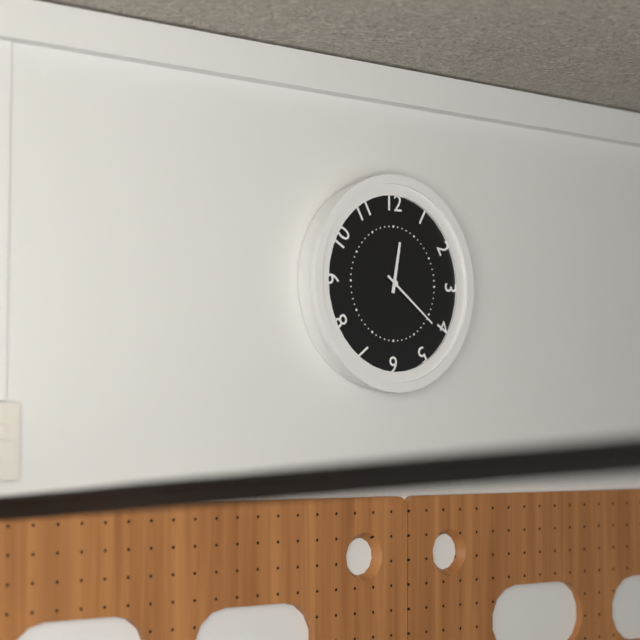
12:21
